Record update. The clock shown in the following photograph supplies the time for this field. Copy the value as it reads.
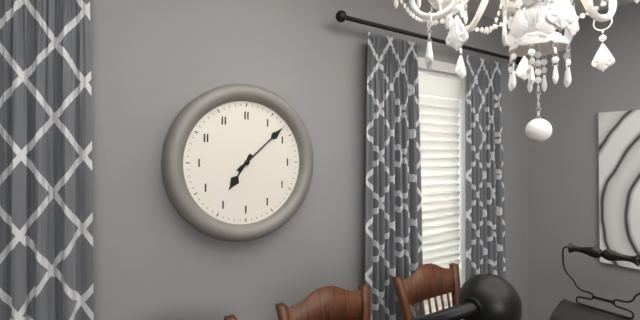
7:08
